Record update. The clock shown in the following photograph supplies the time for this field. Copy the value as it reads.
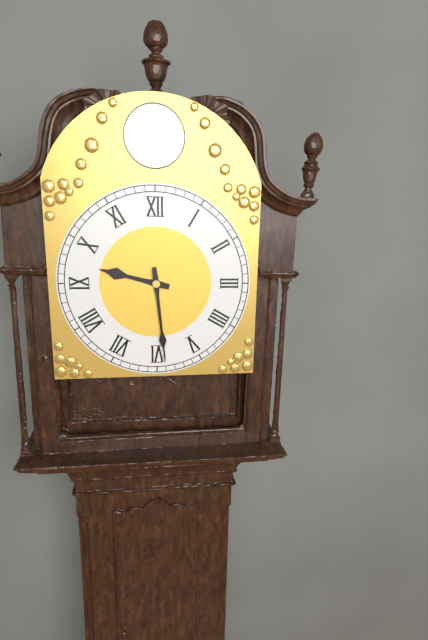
9:29
